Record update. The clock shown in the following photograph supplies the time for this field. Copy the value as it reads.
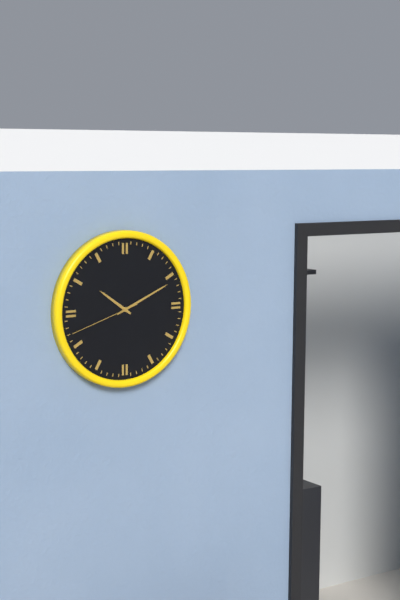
10:11:42
